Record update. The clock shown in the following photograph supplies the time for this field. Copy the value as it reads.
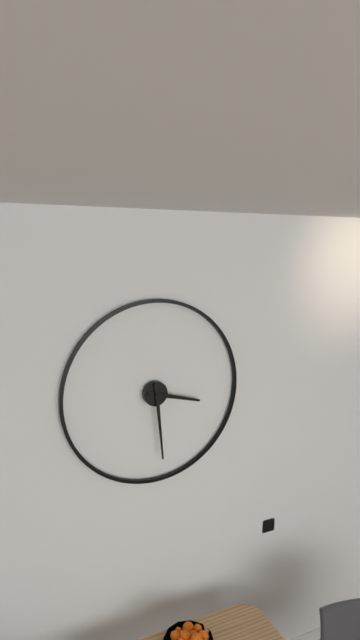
3:29
